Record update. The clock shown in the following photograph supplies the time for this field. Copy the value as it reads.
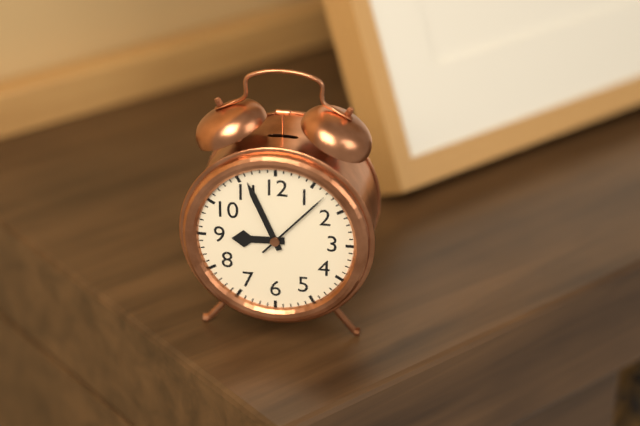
8:56:07
